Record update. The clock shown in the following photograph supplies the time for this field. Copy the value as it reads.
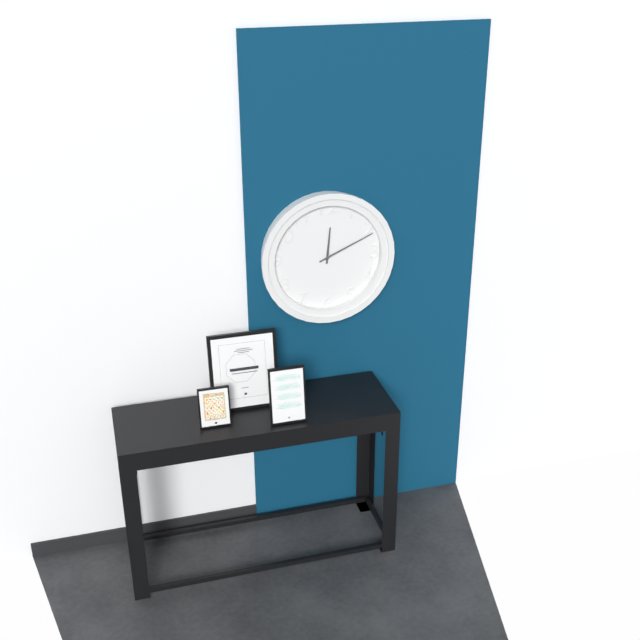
12:11
